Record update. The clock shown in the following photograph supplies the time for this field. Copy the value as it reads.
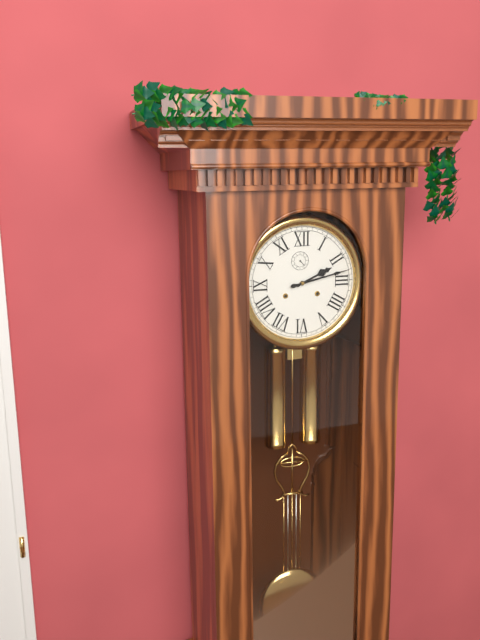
2:13
